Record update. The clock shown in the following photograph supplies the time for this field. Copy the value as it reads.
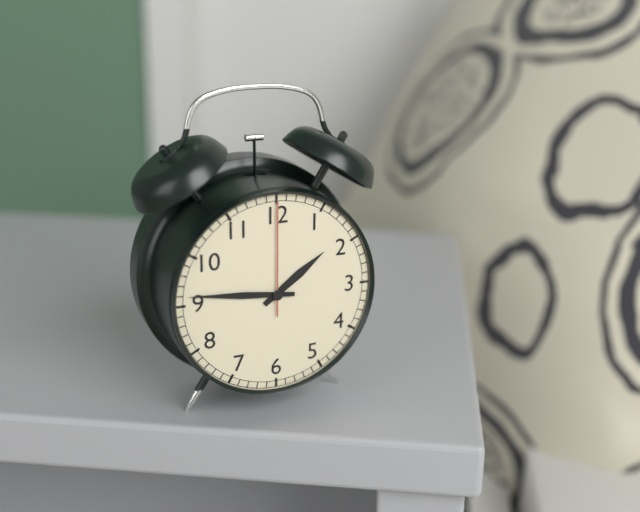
1:46:00
